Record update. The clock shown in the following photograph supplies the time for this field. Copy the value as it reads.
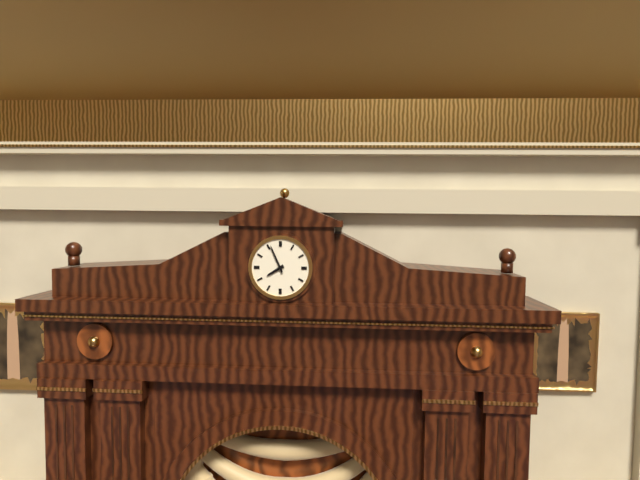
7:56
